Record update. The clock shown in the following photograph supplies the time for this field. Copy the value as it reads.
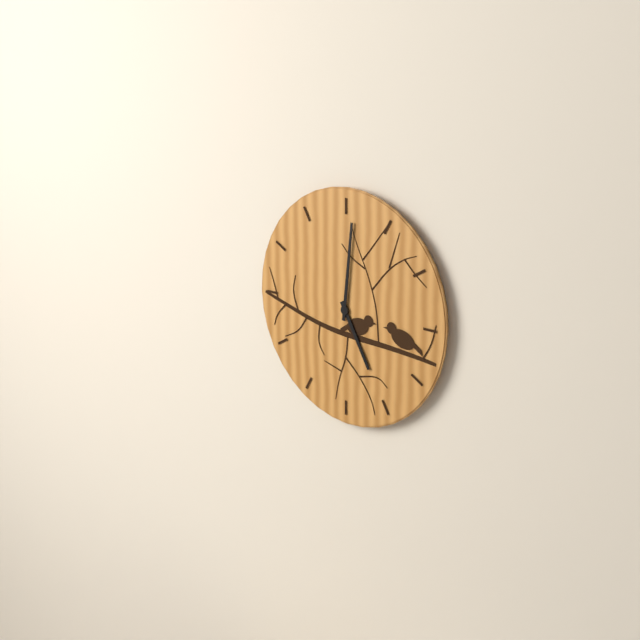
5:01
